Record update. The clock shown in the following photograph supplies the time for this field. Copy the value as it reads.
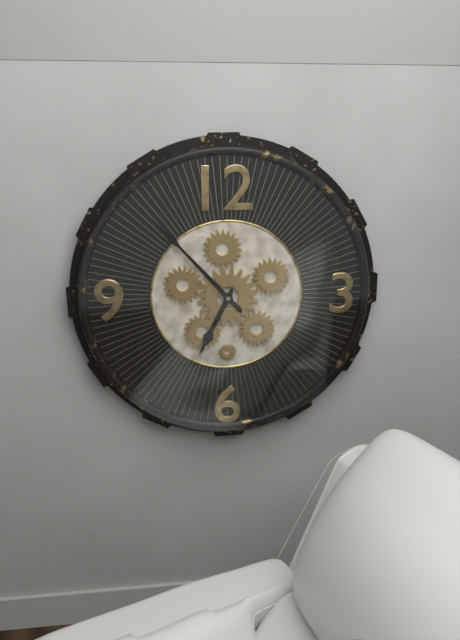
6:53
